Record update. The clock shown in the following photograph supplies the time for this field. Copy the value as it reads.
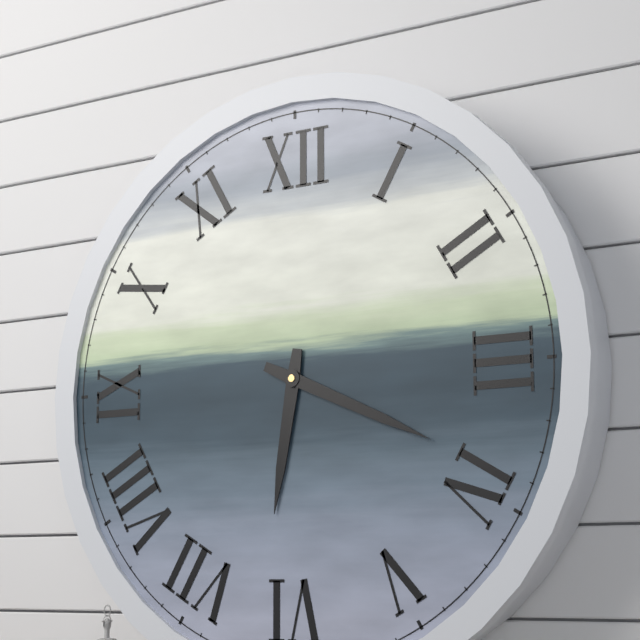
6:19
